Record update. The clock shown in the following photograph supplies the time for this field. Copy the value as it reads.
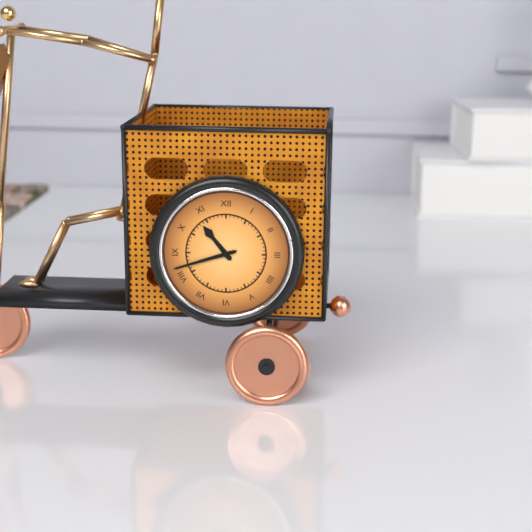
10:42
